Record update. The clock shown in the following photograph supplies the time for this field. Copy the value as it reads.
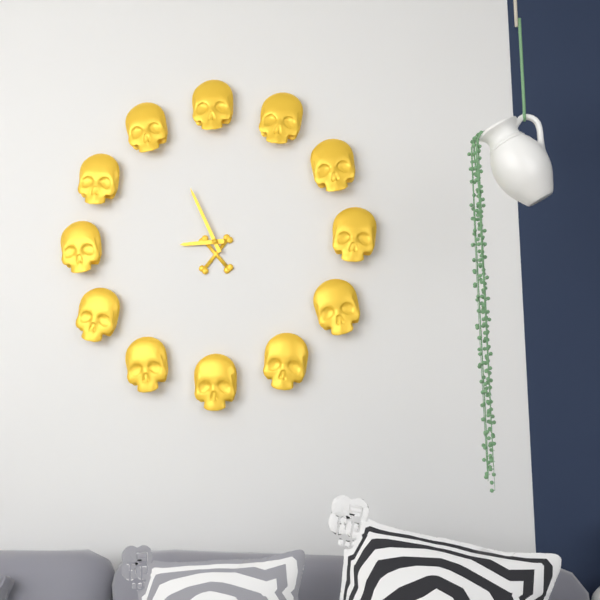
8:56
